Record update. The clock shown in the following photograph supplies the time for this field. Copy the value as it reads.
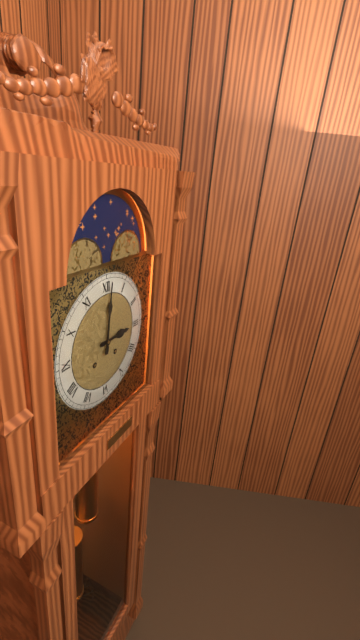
3:01
